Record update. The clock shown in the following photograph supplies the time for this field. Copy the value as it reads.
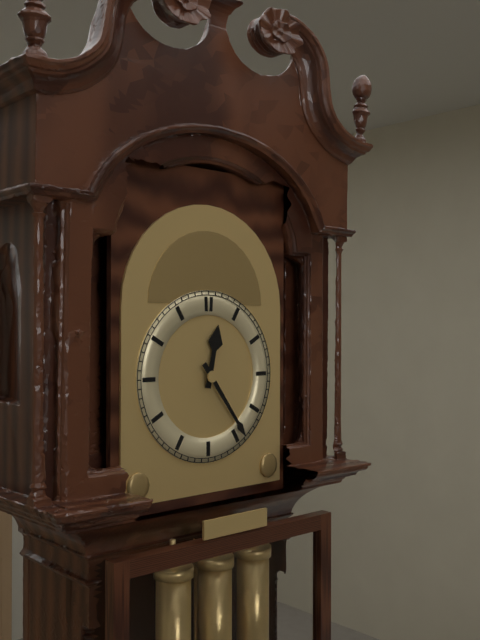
12:24
